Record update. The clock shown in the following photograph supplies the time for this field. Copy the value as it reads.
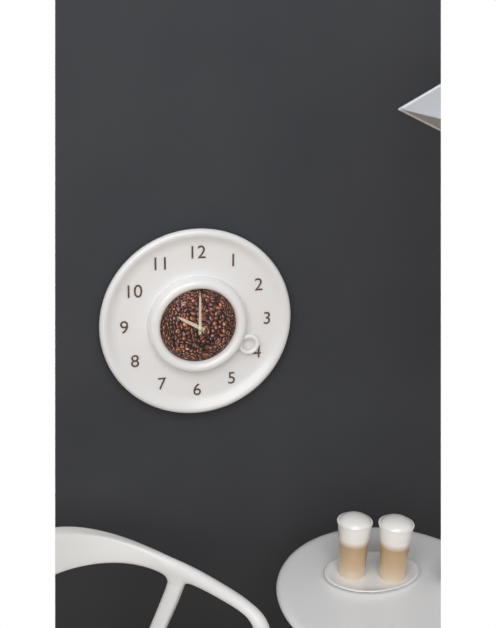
10:00
